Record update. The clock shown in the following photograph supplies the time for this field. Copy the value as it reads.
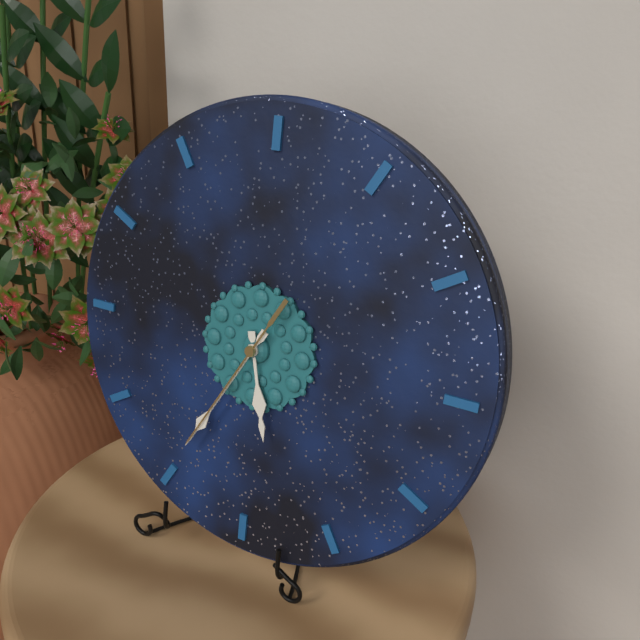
5:35:35
